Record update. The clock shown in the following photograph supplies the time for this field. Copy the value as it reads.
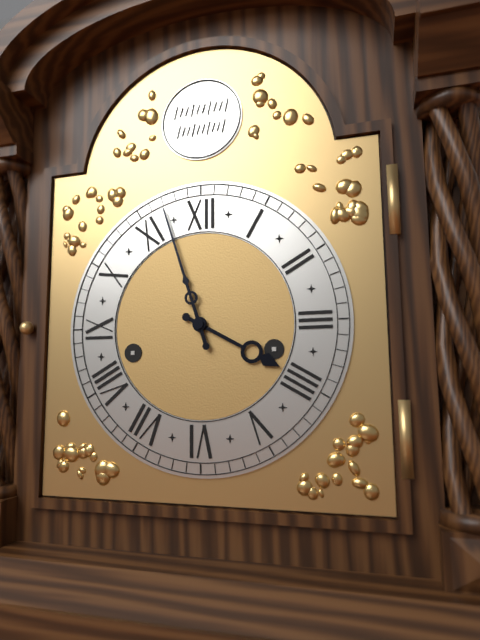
3:57
